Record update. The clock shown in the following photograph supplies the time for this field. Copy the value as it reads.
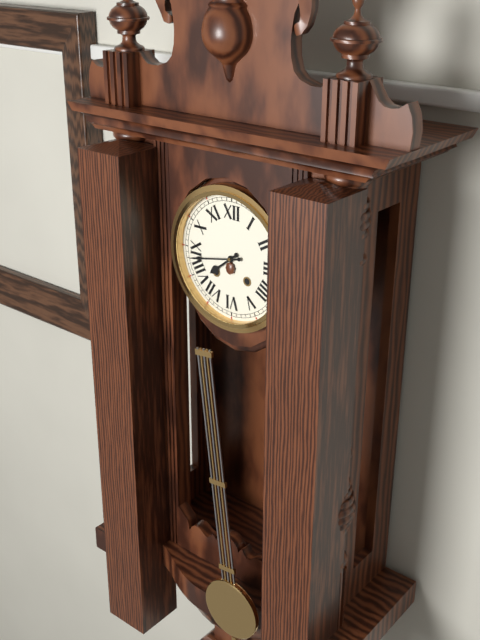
7:43
